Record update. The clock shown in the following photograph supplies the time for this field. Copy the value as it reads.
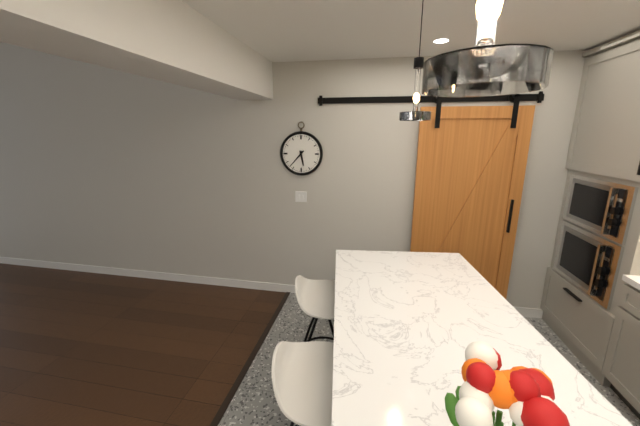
5:37
